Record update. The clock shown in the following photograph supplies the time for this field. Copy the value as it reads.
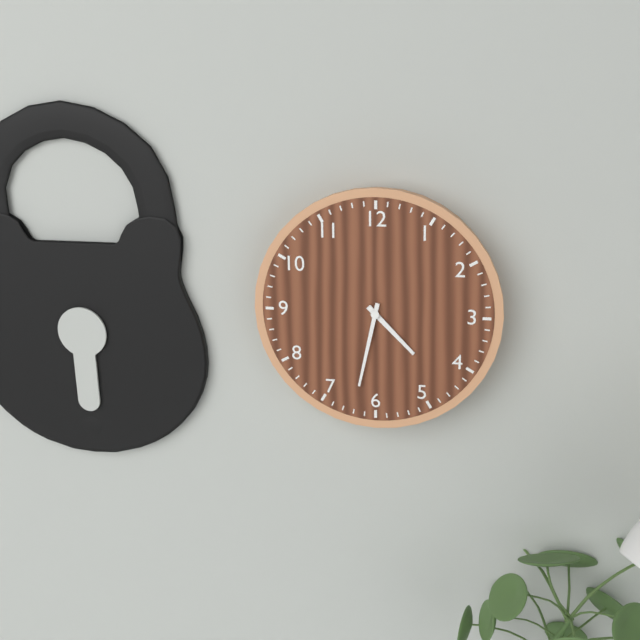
4:32
